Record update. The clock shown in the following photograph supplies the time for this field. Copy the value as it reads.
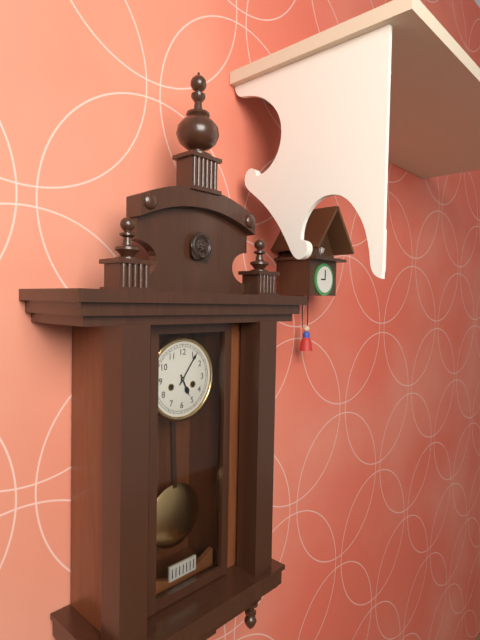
5:06
